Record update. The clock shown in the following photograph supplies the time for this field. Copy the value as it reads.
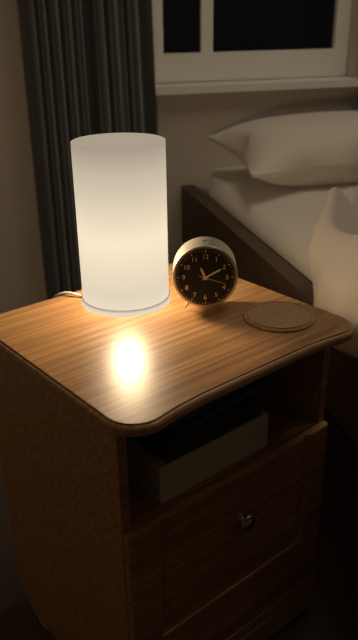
11:10
